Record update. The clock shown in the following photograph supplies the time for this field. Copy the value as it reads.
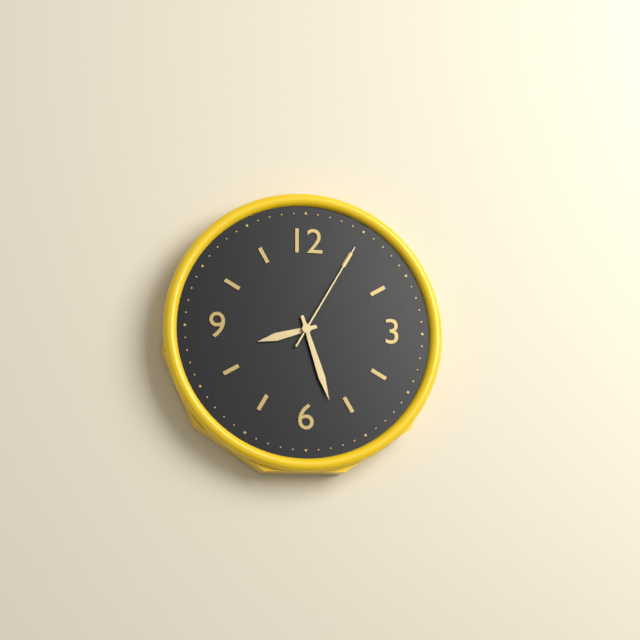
8:27:05
